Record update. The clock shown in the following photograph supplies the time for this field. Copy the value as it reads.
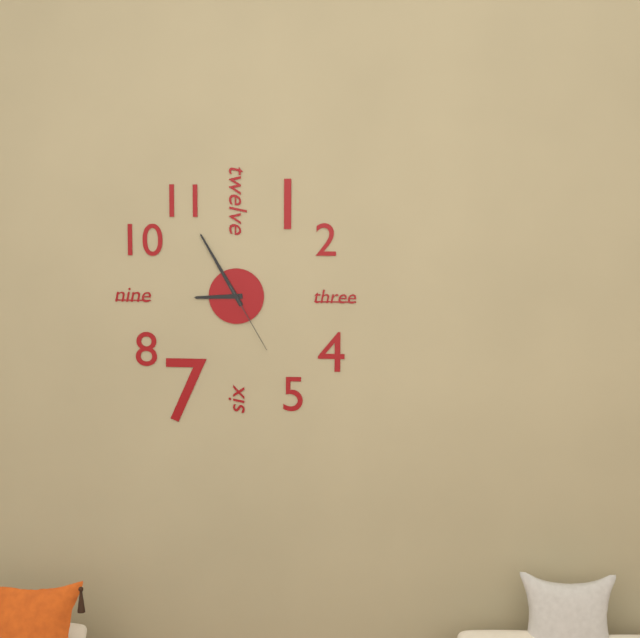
8:55:25
